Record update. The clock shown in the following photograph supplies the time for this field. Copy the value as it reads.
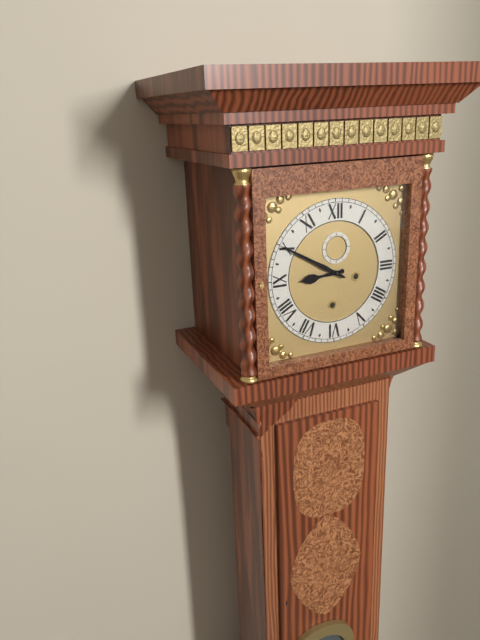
8:50
